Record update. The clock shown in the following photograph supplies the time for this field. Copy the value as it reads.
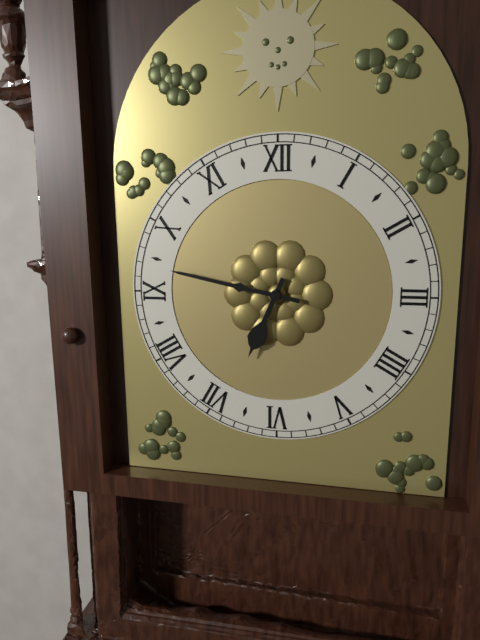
6:47
